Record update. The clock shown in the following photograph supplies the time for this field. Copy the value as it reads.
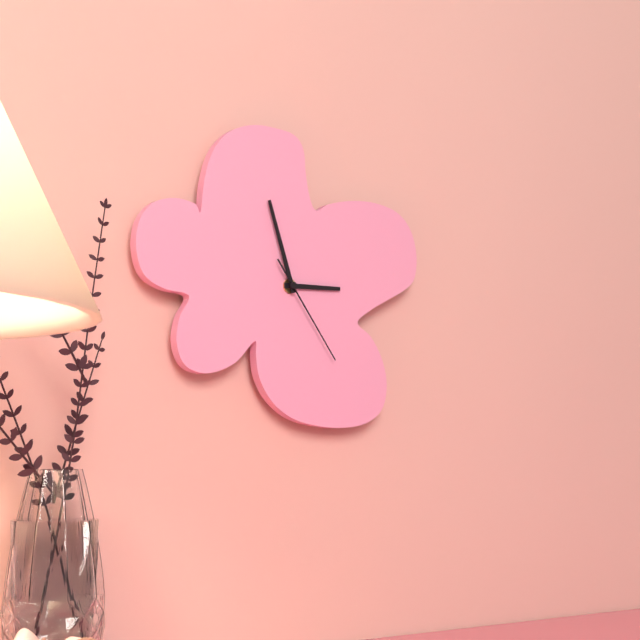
2:57:24
